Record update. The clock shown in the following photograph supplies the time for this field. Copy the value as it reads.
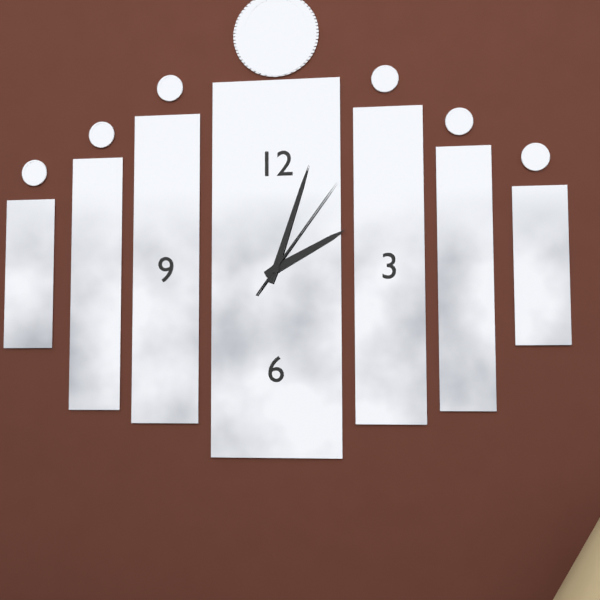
2:03:06
